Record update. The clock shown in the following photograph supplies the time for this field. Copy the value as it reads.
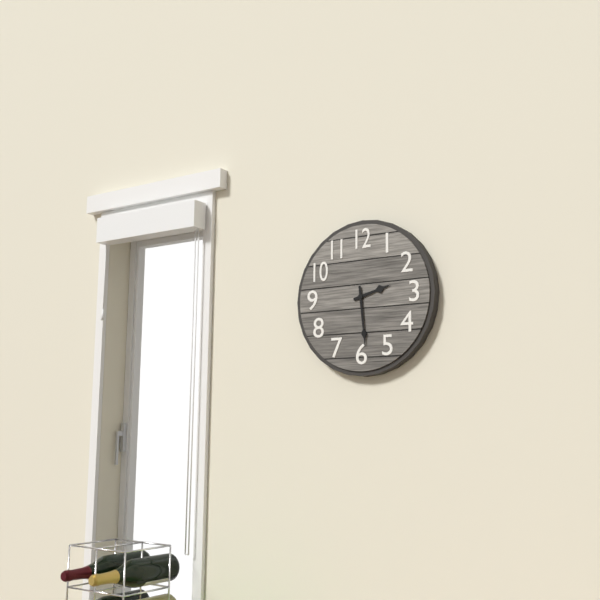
2:29
